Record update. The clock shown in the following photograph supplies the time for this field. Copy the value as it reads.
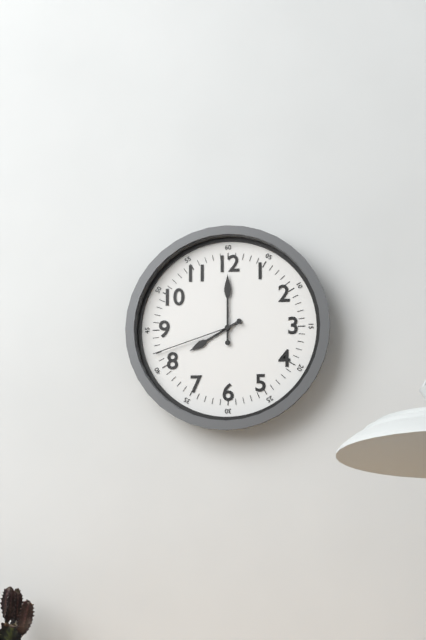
8:00:42
